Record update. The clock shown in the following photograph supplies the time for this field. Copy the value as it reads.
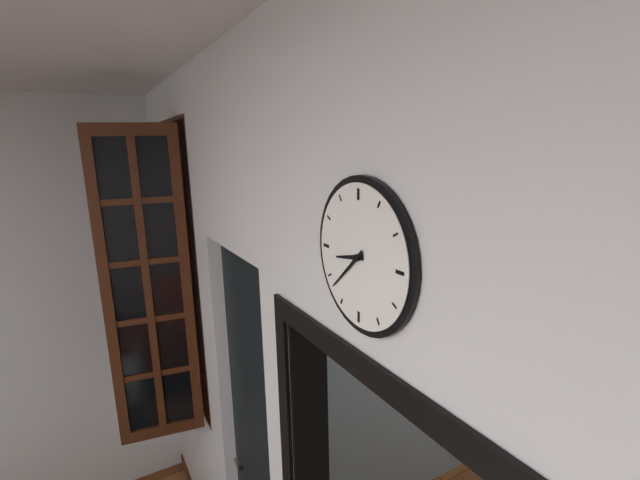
8:38
